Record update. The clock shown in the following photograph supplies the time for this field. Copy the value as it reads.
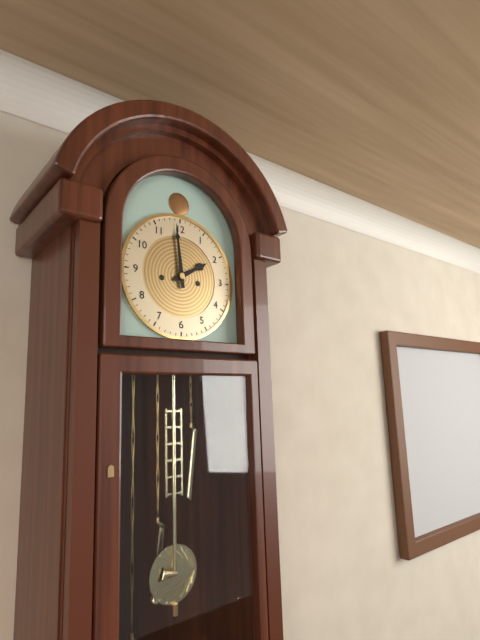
1:59
